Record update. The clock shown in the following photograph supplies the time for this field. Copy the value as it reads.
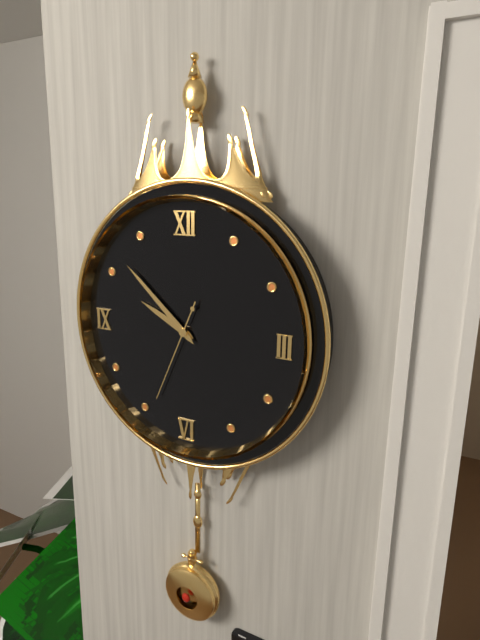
9:52:34
